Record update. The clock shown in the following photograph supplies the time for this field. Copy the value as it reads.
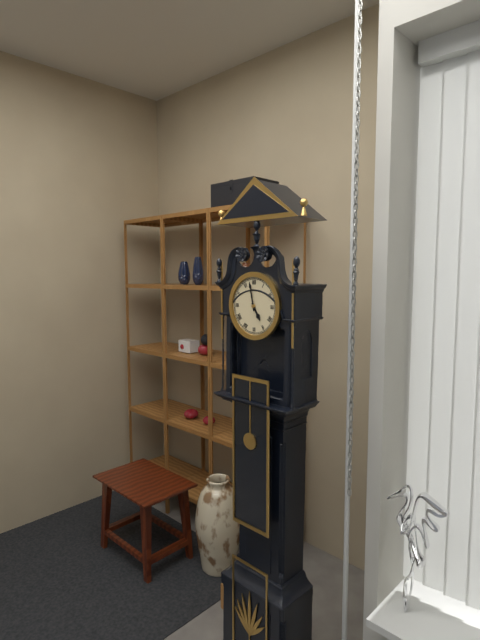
4:58
